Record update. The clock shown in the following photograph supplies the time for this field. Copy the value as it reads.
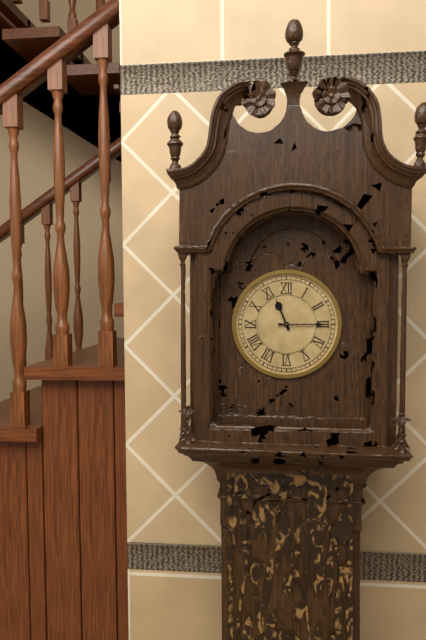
11:15
